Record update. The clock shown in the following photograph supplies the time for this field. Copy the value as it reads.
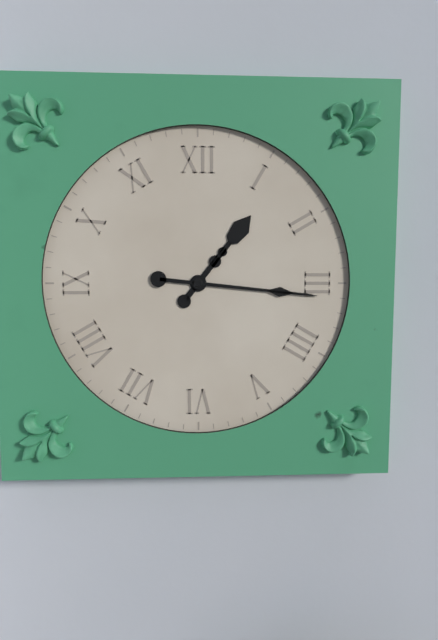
1:16
